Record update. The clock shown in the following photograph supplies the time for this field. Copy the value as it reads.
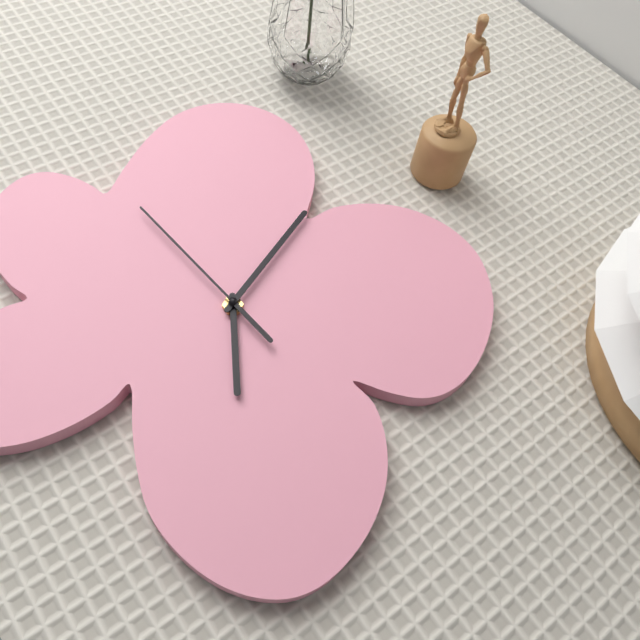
5:01:49
